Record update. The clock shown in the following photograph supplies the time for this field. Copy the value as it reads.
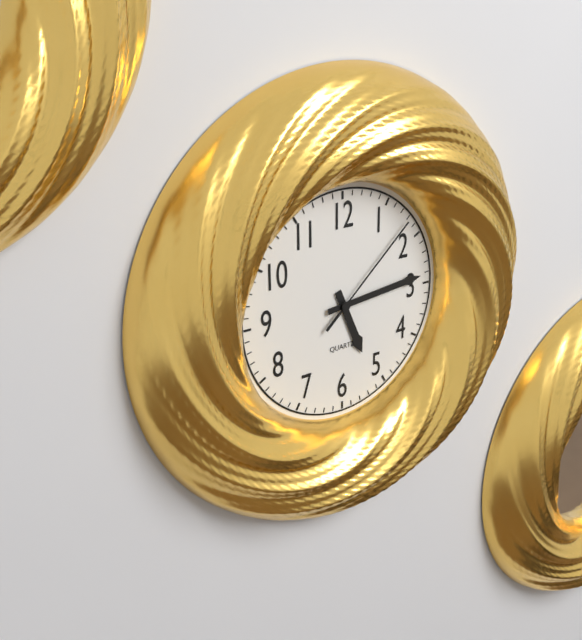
5:14:08
